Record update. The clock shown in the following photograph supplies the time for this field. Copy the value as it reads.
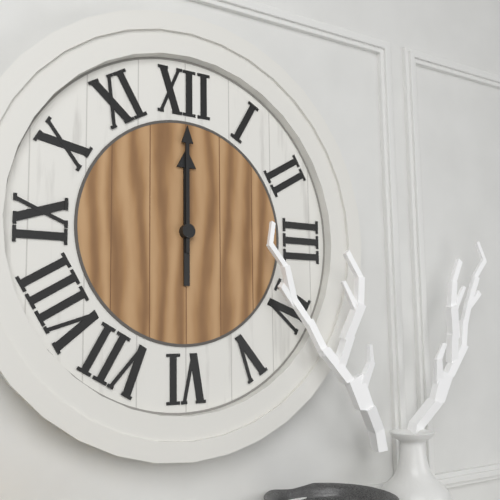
12:00
